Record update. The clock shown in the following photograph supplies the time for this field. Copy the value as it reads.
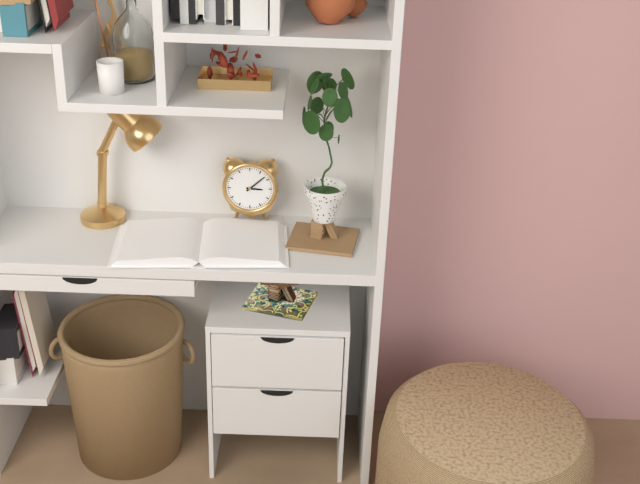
3:08
